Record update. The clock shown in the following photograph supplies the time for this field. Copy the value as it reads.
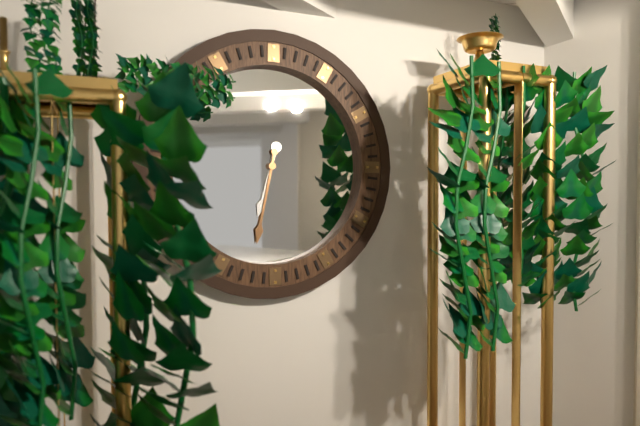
6:32
